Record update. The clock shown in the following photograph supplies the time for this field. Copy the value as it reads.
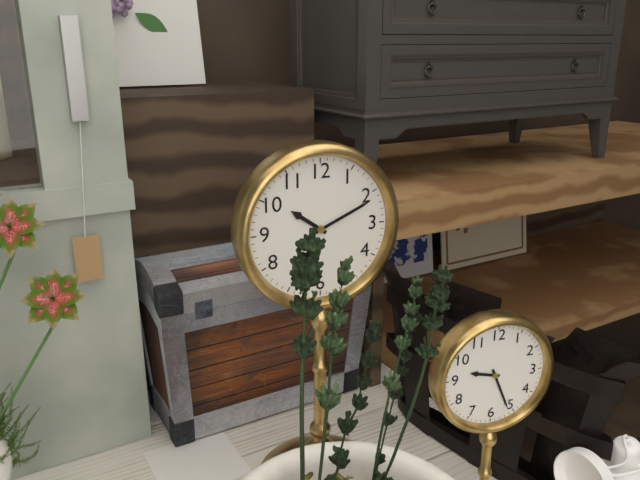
10:11
